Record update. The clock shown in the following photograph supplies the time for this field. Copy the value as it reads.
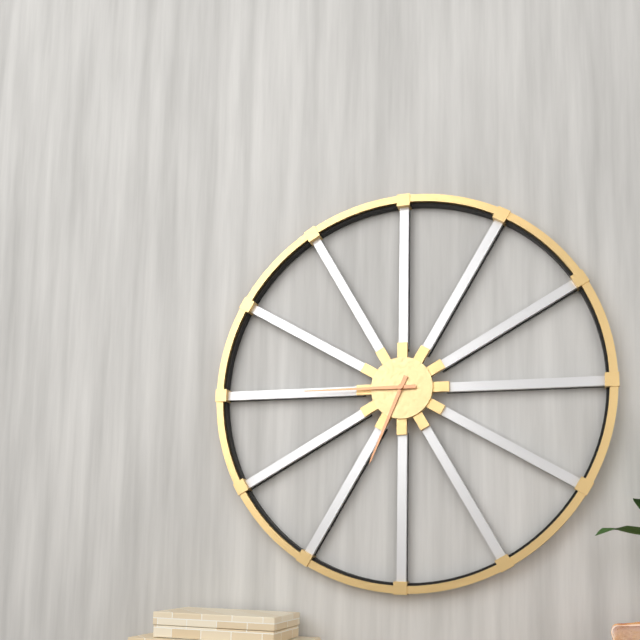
6:45
